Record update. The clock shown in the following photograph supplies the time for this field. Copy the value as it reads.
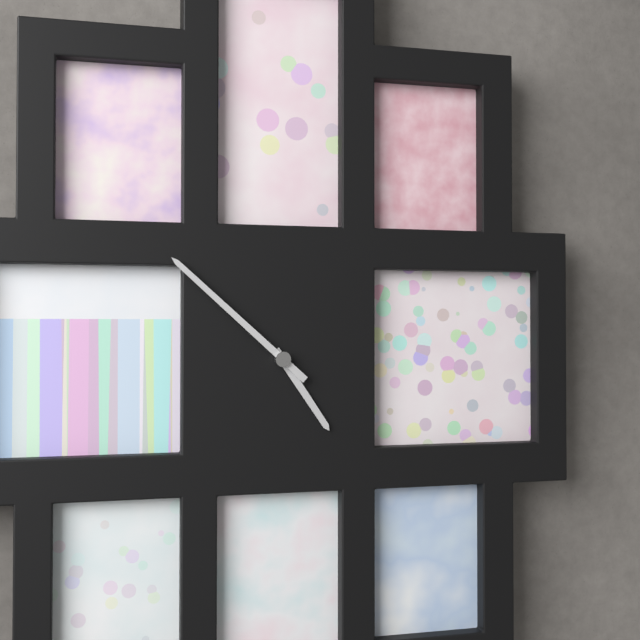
4:52
